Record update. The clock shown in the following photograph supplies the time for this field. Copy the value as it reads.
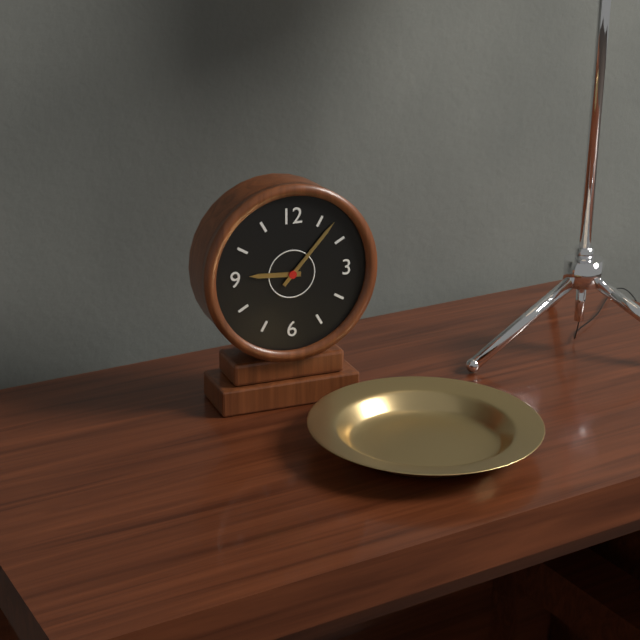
9:07
